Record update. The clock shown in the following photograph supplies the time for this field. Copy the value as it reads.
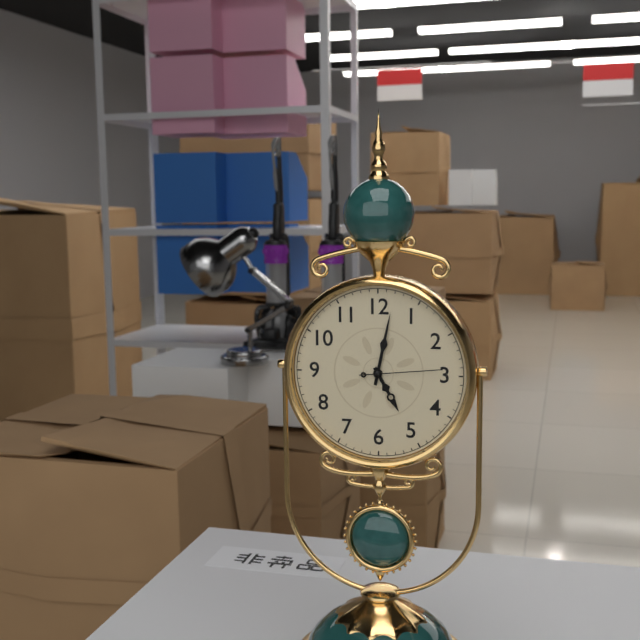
5:02:14
